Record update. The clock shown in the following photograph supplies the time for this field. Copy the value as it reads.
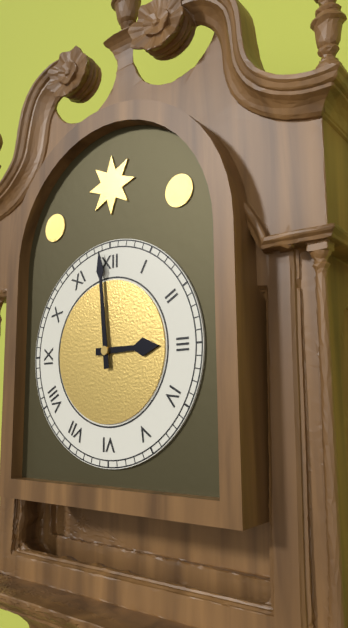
2:59
